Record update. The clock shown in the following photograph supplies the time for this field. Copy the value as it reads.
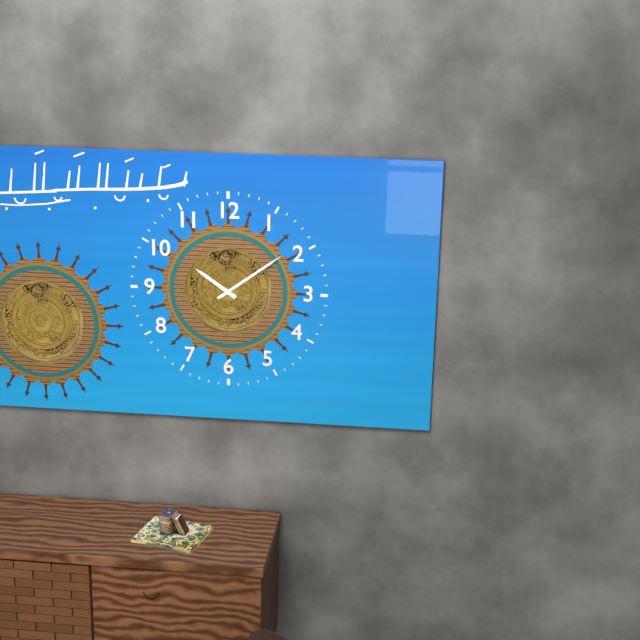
10:09
